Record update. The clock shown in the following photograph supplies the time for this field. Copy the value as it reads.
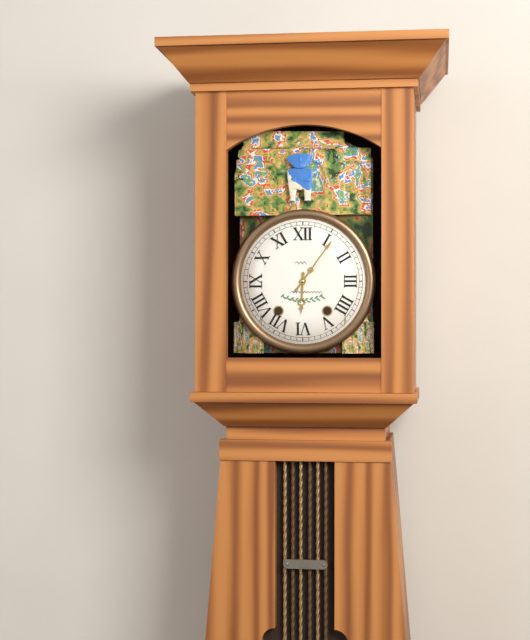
6:06
